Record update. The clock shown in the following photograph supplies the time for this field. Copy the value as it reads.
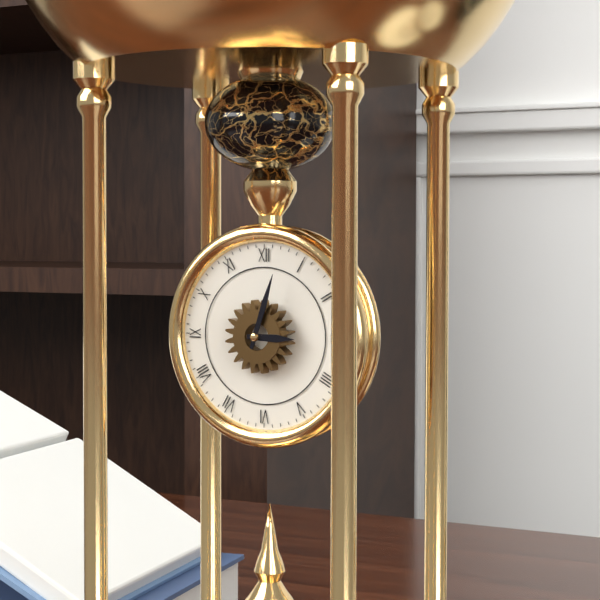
3:03
